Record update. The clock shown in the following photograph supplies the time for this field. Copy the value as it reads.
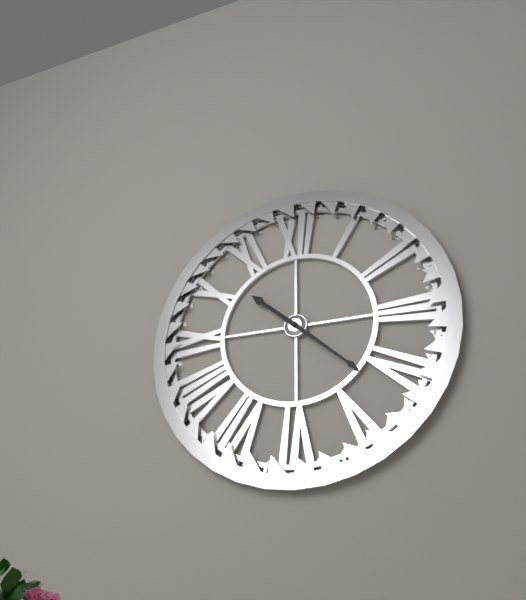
10:22
